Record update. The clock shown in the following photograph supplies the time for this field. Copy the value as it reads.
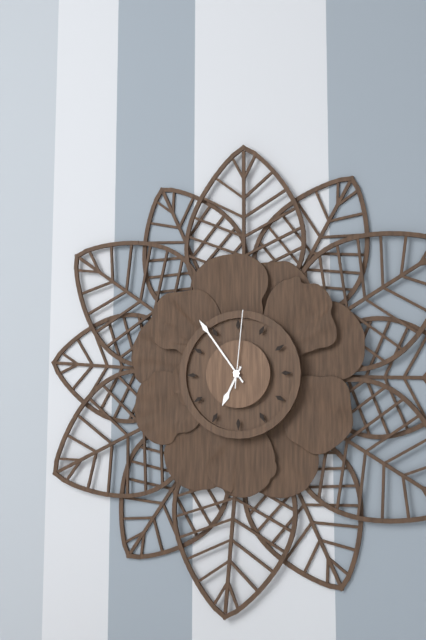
6:54:01
